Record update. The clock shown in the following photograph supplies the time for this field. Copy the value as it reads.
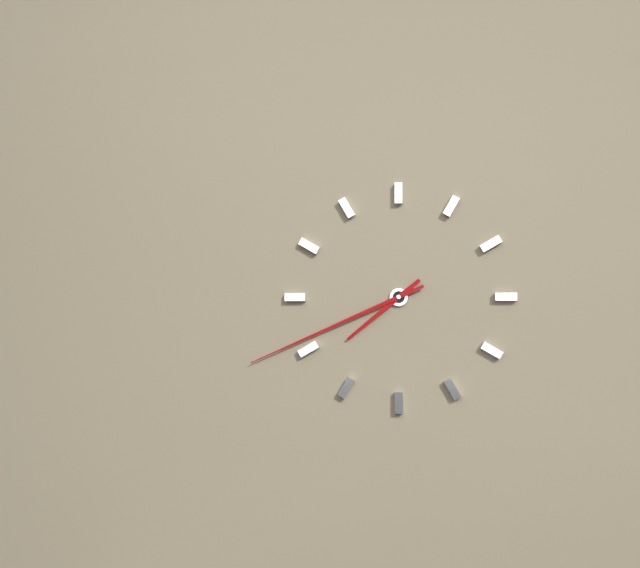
7:41
